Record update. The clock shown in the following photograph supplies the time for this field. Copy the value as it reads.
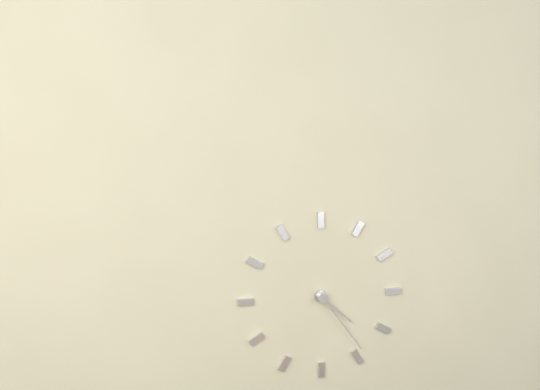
4:24
